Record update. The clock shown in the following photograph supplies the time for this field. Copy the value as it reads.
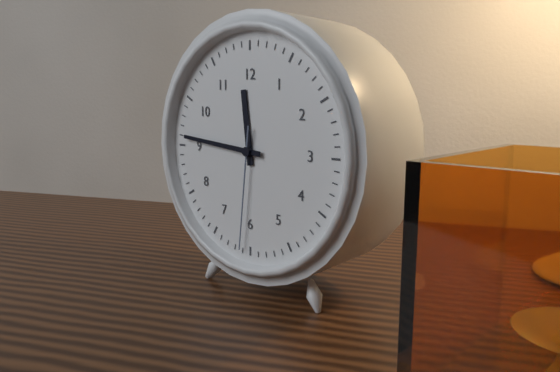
11:46:31
